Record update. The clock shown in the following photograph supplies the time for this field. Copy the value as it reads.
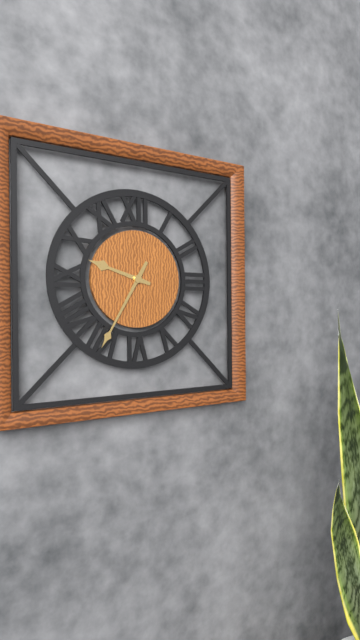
9:35
